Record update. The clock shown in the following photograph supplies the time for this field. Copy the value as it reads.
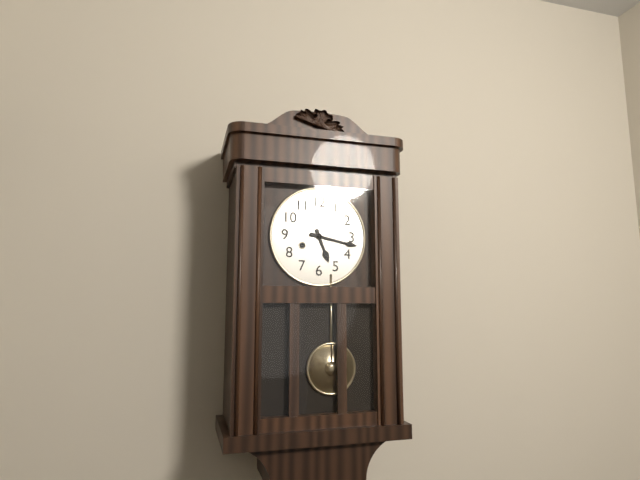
5:17
